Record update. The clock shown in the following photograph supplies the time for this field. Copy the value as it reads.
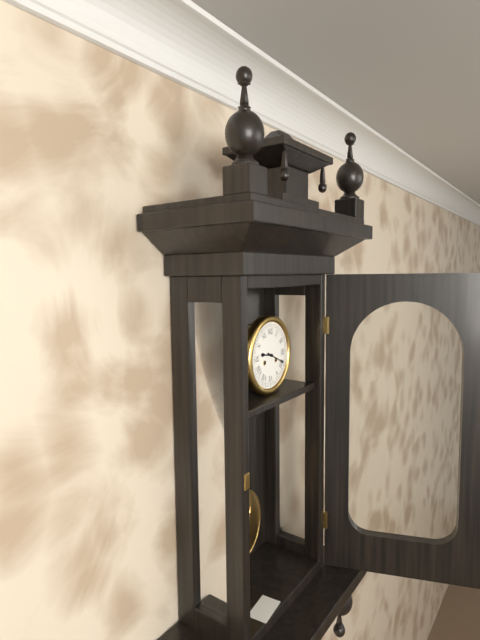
9:19
